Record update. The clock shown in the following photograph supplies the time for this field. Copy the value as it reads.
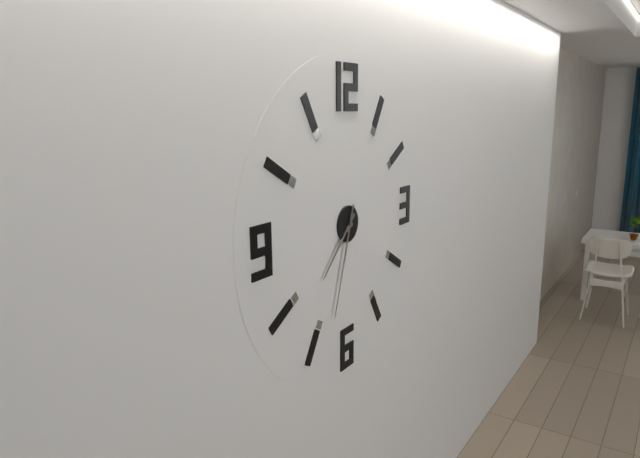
7:33
